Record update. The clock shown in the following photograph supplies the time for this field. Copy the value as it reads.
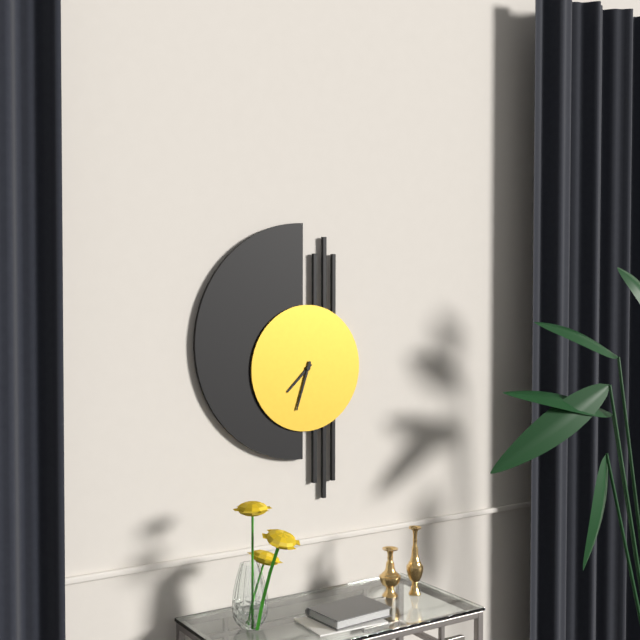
7:33
